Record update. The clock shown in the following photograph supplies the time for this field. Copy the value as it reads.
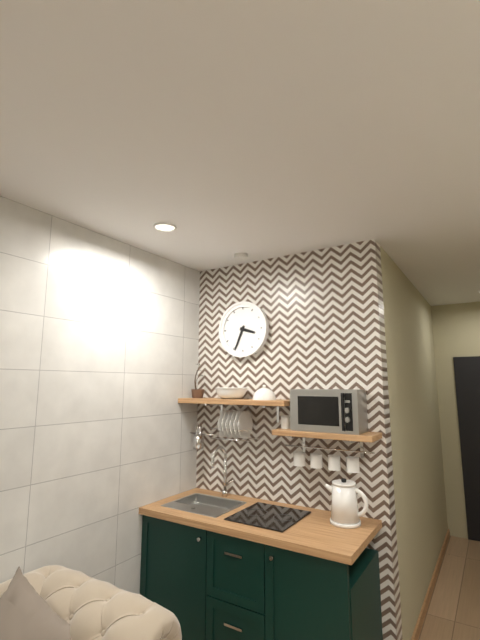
3:34
